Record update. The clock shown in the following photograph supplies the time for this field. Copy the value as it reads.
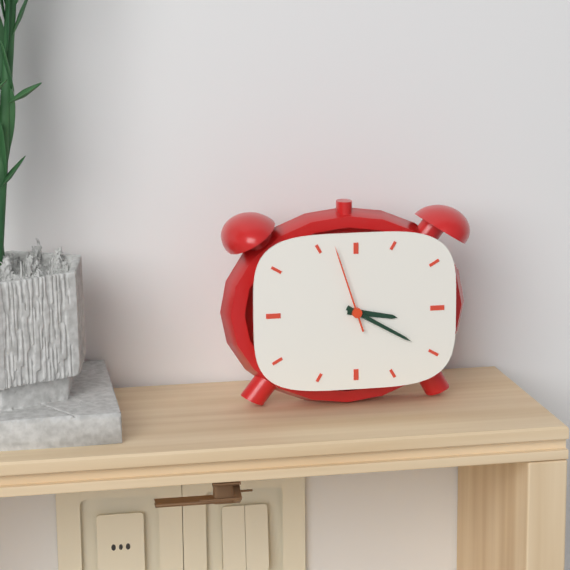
3:20:57
